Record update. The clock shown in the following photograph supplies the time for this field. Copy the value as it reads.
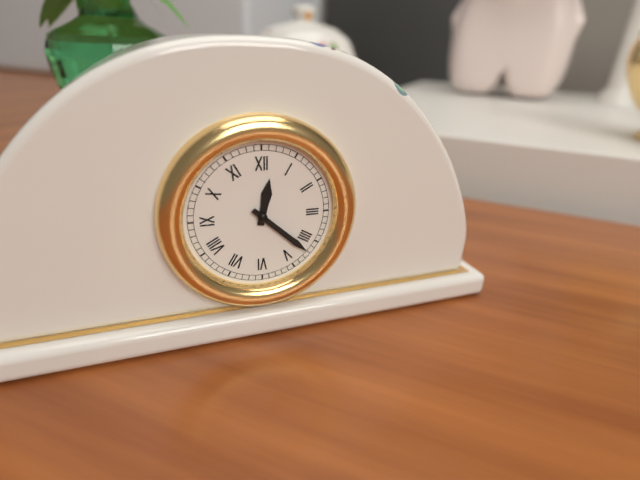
12:22
